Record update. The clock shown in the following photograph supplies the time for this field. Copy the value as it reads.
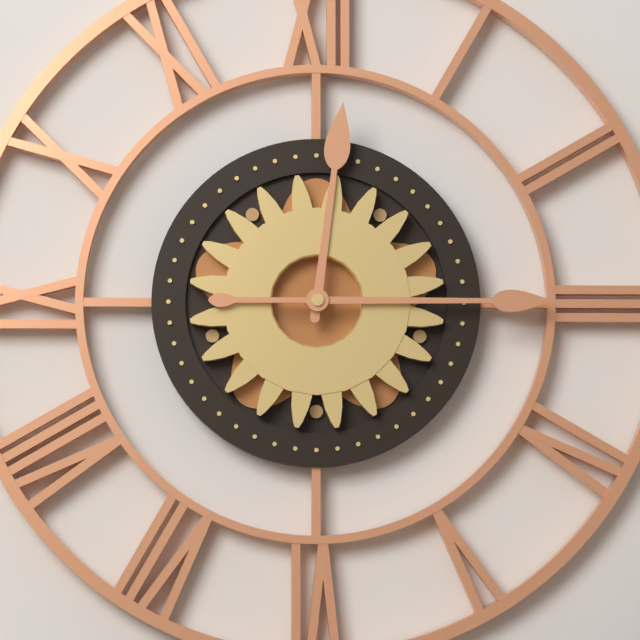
12:15
